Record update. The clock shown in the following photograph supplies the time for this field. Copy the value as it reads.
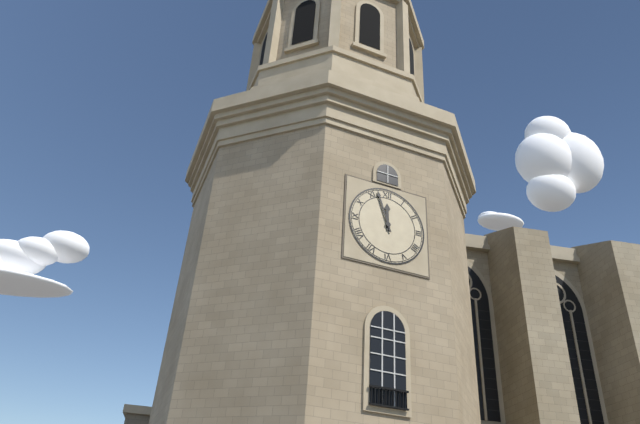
11:57
